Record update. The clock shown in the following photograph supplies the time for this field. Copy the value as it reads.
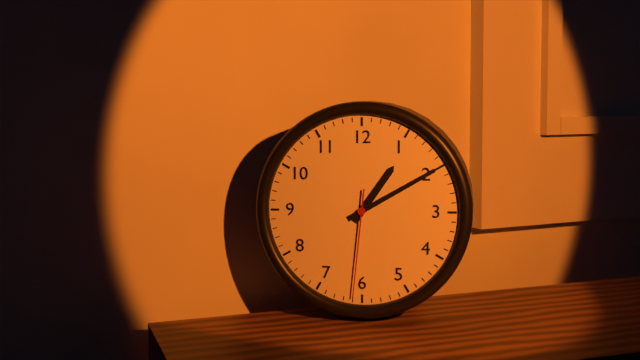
1:10:31
